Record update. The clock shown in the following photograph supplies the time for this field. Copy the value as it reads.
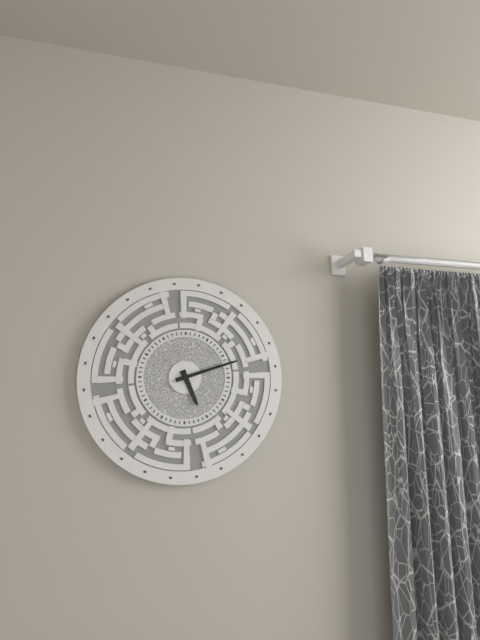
5:12
